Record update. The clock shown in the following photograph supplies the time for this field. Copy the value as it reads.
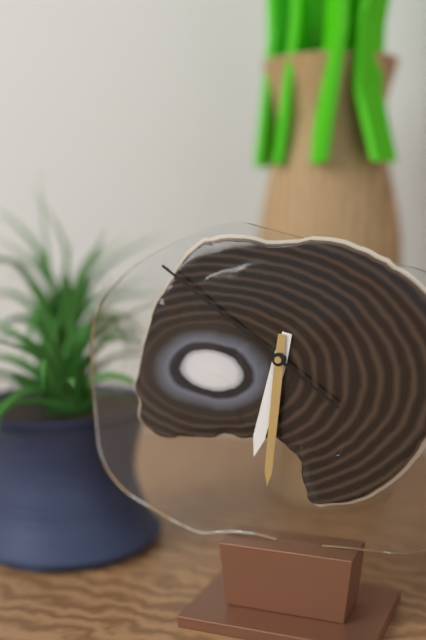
6:31:51
